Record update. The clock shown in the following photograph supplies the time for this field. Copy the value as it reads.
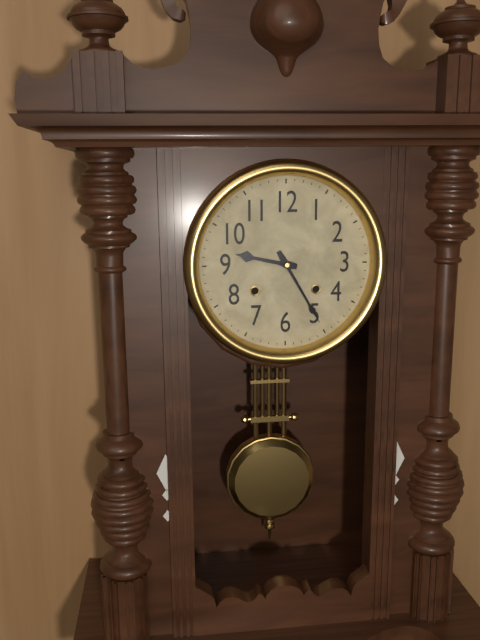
9:25
